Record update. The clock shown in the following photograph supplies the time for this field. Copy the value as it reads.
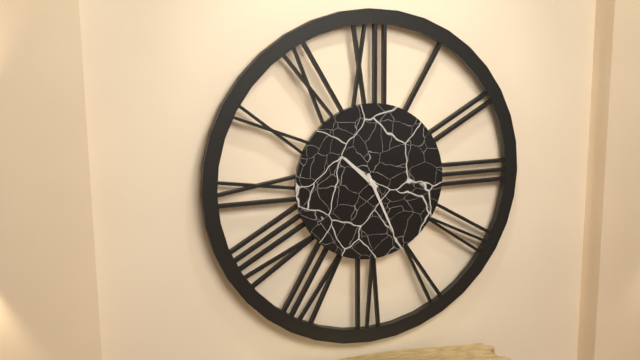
10:26
